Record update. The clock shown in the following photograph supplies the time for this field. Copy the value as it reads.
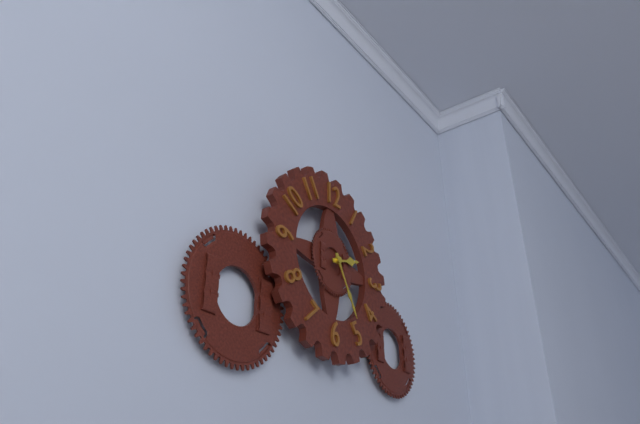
2:25
